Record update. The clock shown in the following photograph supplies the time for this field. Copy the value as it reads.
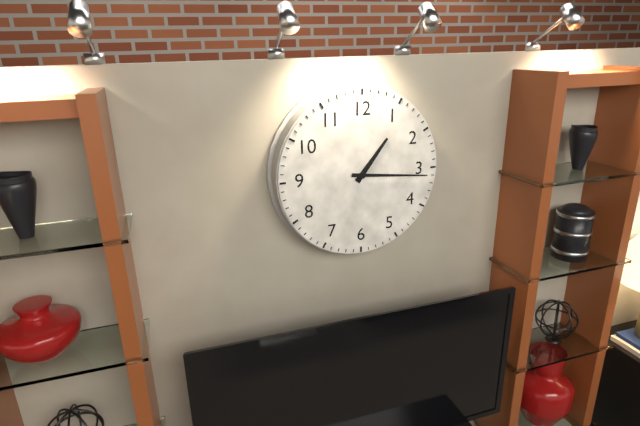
1:16
